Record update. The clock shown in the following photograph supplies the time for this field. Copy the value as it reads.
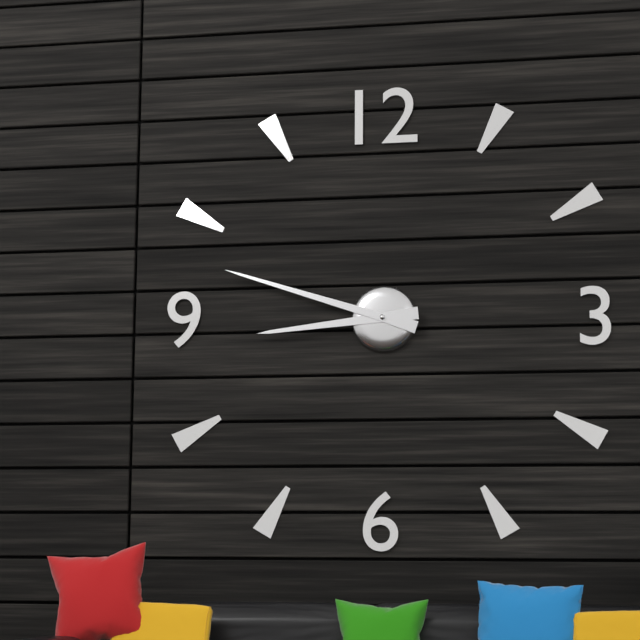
8:48
